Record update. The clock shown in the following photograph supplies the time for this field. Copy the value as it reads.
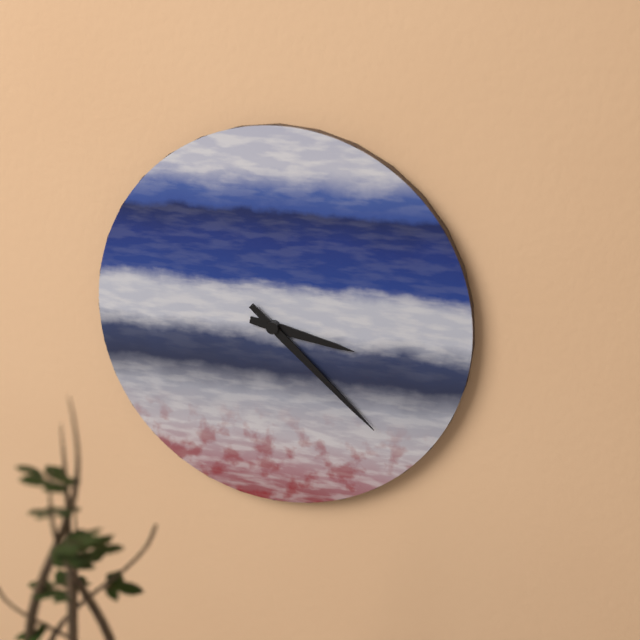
3:22
